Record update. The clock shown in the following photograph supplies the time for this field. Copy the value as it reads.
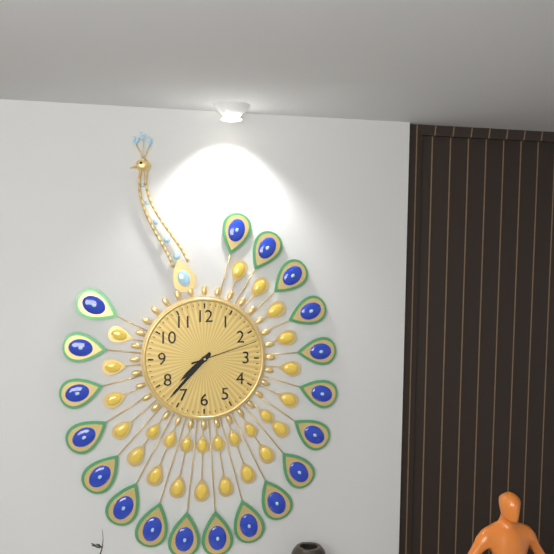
7:37:12
